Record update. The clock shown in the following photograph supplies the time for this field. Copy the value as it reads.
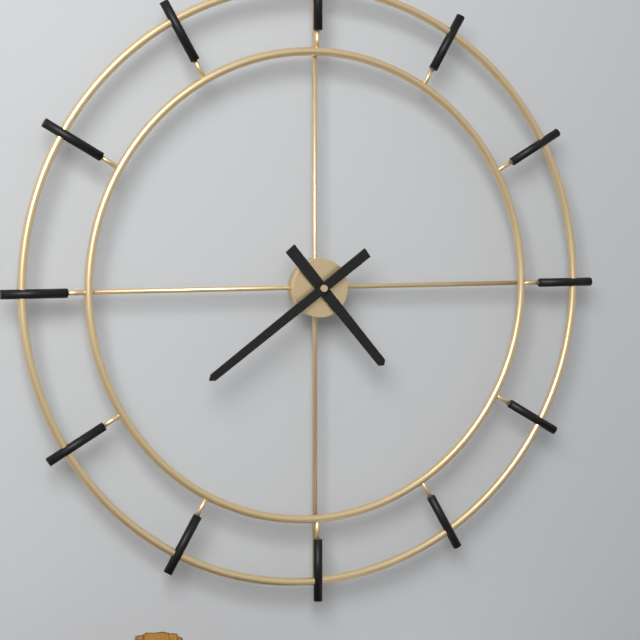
4:39
